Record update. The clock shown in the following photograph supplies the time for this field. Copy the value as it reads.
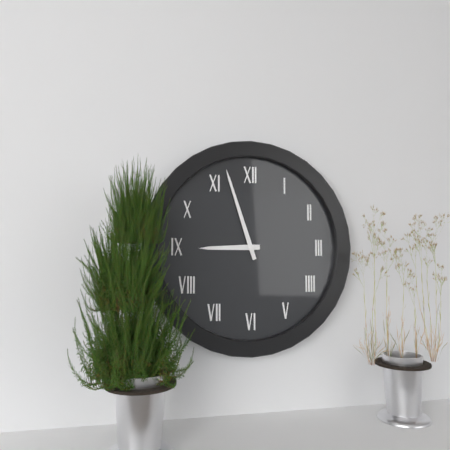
8:57
